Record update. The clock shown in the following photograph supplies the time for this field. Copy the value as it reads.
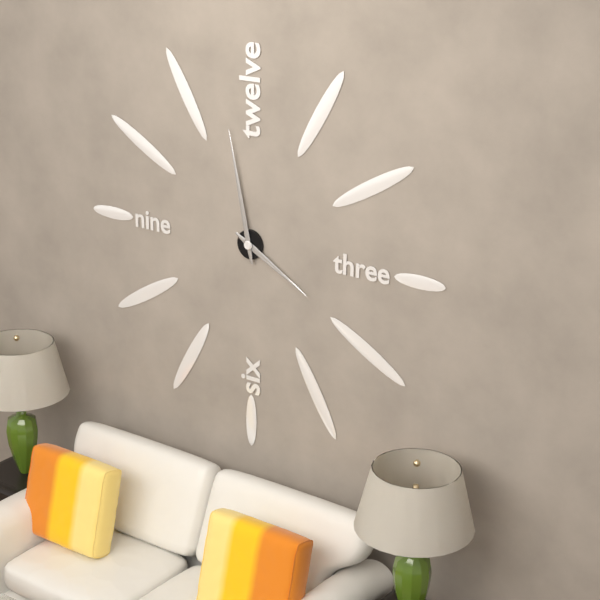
3:58
